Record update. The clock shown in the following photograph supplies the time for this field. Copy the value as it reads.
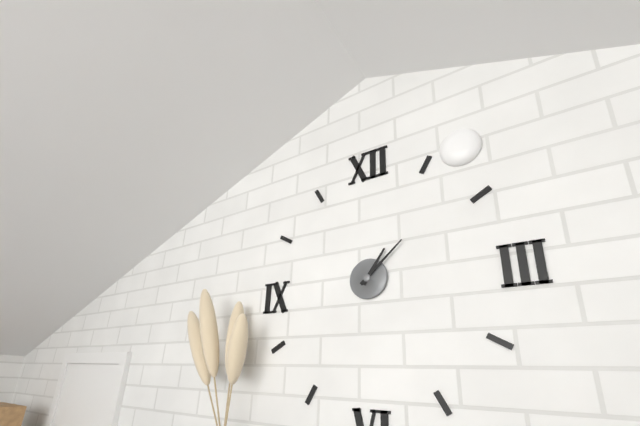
1:08
